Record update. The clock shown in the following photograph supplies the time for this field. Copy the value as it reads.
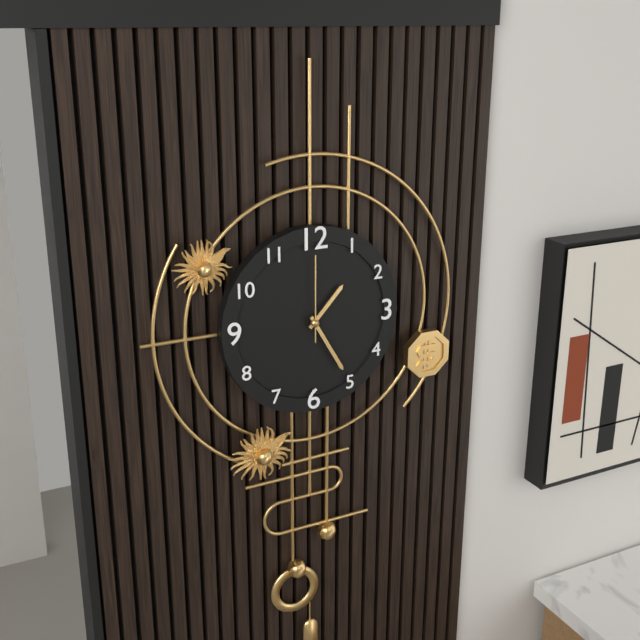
1:25:00
